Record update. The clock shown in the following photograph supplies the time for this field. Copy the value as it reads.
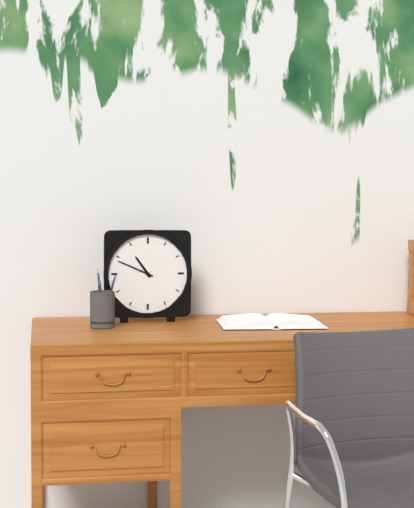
10:49
